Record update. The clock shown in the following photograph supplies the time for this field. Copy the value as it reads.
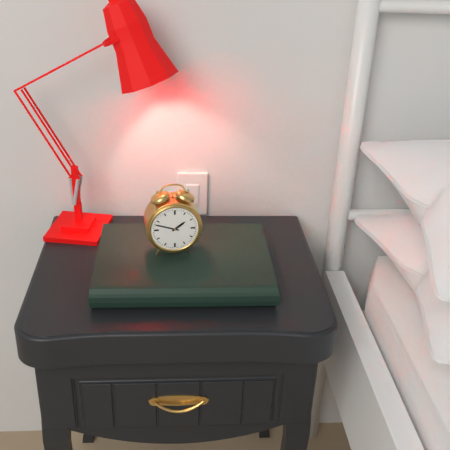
1:48
